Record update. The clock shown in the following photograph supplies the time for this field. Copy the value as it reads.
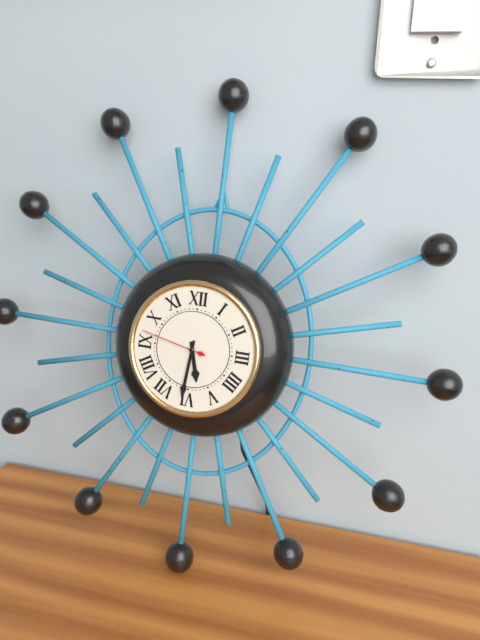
5:31:47
